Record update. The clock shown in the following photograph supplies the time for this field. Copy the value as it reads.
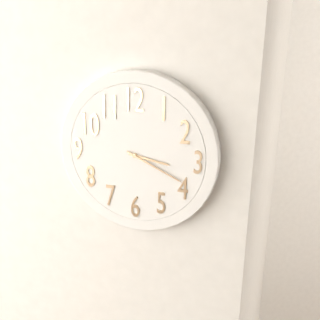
3:19
